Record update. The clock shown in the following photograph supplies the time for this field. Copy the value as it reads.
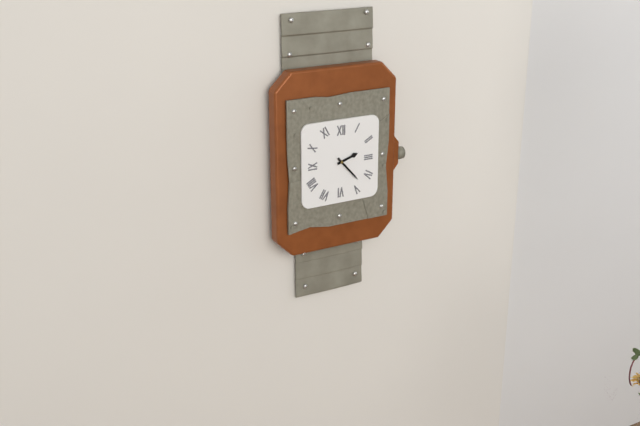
2:23
